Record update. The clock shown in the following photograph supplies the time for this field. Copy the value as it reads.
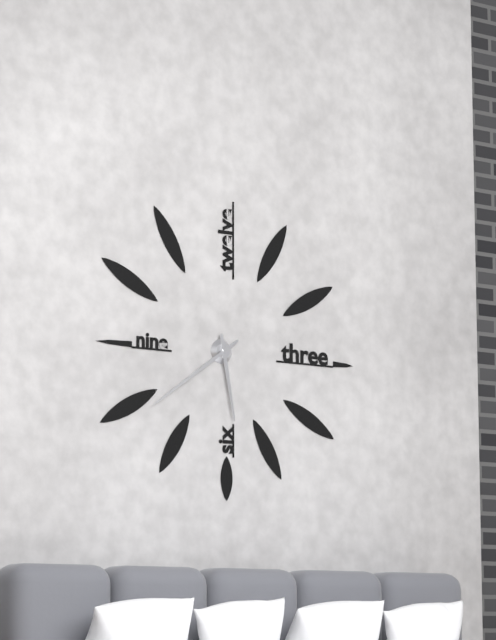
5:39
